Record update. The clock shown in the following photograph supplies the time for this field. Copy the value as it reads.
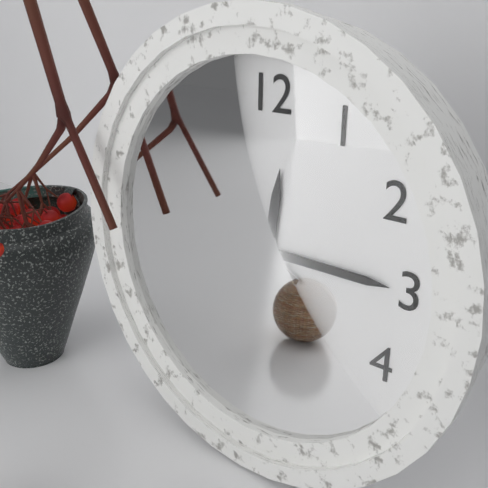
12:15:50
